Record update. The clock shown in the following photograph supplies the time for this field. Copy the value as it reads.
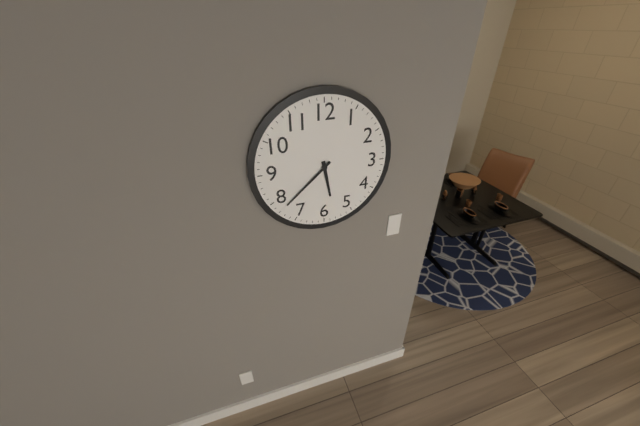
5:38
